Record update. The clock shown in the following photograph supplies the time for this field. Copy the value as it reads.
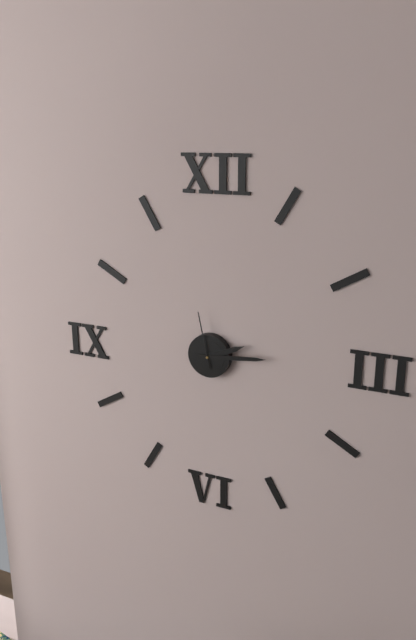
2:14:58
